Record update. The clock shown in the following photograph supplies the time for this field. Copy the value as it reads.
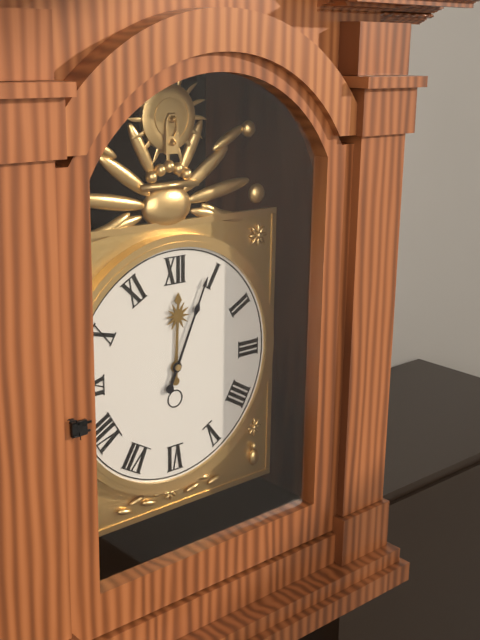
12:04
